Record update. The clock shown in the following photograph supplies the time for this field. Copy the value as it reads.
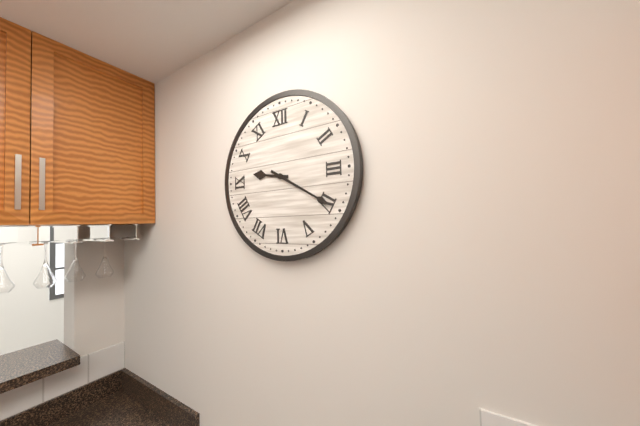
9:20
